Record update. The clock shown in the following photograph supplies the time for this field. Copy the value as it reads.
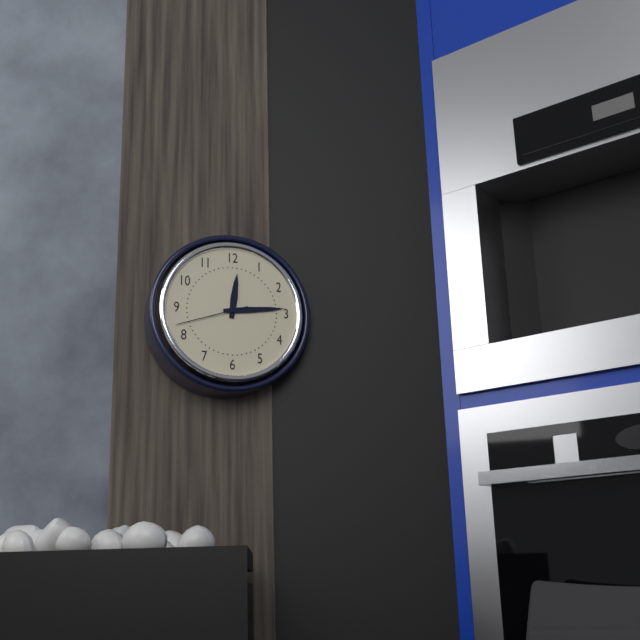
12:14:42
